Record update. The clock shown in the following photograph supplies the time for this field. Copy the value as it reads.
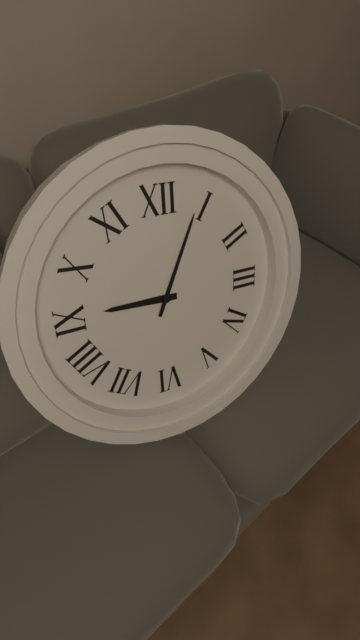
9:04
